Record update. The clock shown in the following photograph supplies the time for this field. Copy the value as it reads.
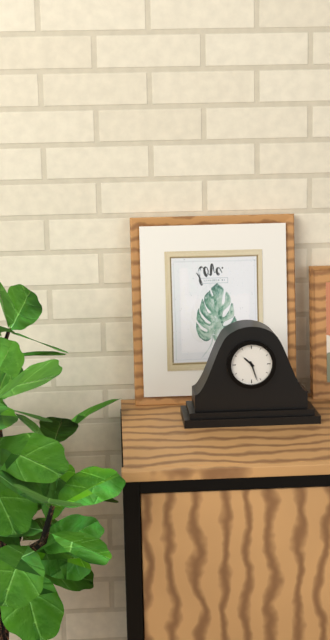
10:27
